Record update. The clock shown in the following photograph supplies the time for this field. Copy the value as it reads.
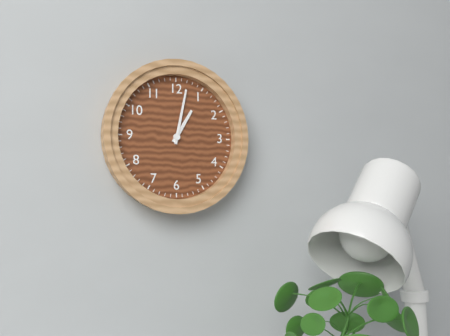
1:02
